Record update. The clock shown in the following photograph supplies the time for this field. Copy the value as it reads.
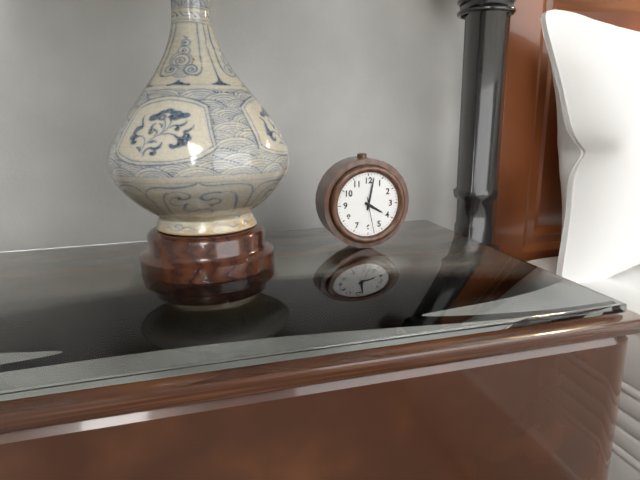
4:02
